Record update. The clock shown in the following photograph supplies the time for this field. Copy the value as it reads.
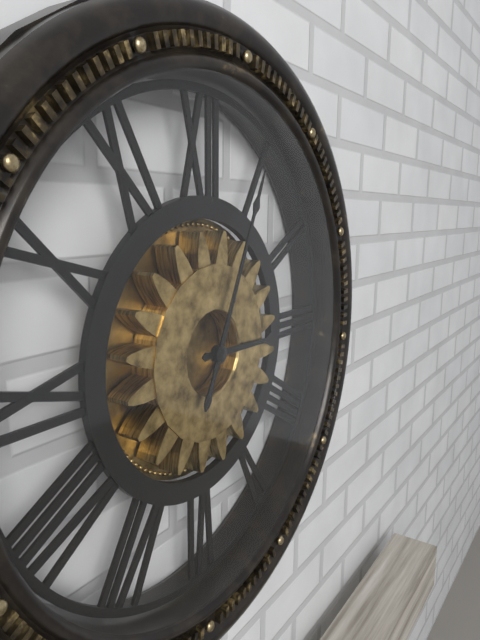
3:04
